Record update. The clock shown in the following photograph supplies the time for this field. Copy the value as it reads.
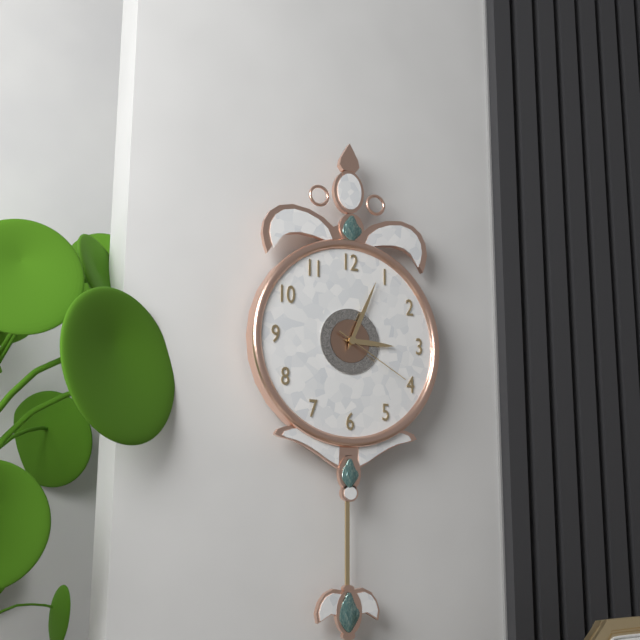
3:04:20
